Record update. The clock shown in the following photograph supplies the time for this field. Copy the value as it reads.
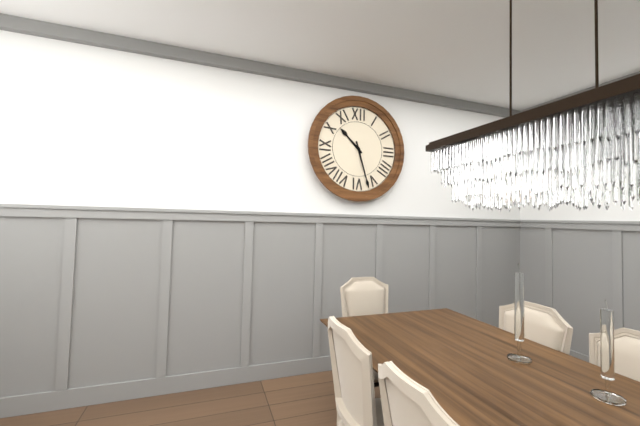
10:27
